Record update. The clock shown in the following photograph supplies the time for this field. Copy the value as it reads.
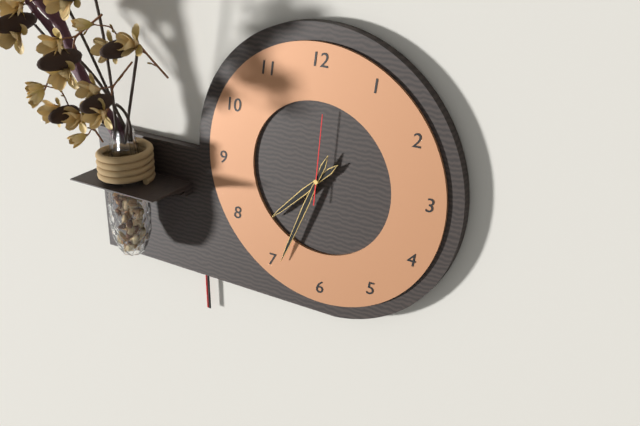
7:34:01
